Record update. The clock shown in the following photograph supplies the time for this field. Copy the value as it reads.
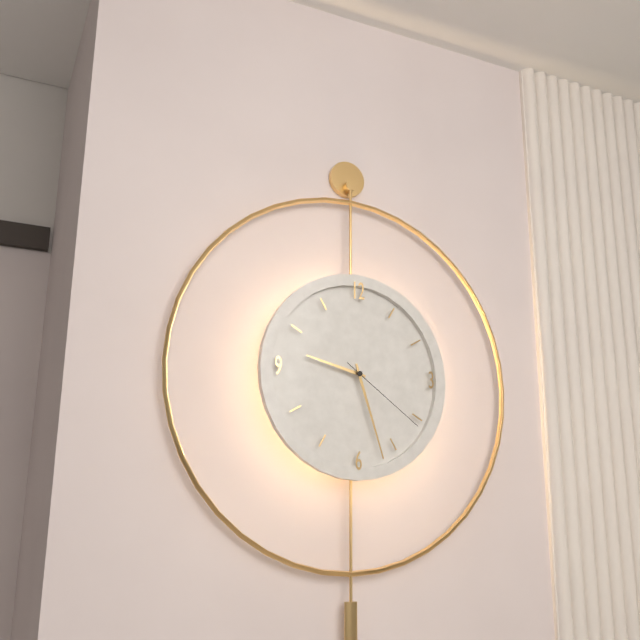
9:27:21
